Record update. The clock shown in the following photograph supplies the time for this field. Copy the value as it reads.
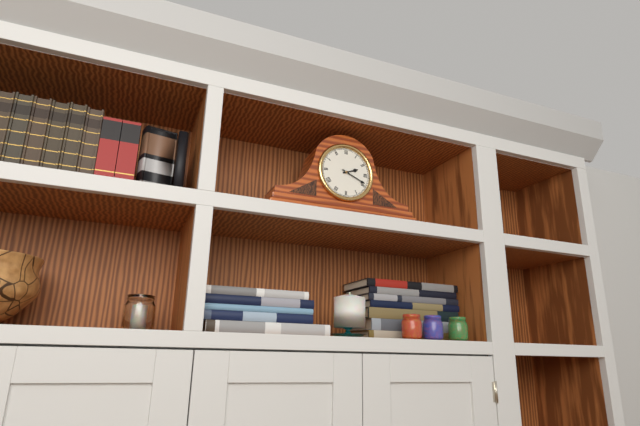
2:19
